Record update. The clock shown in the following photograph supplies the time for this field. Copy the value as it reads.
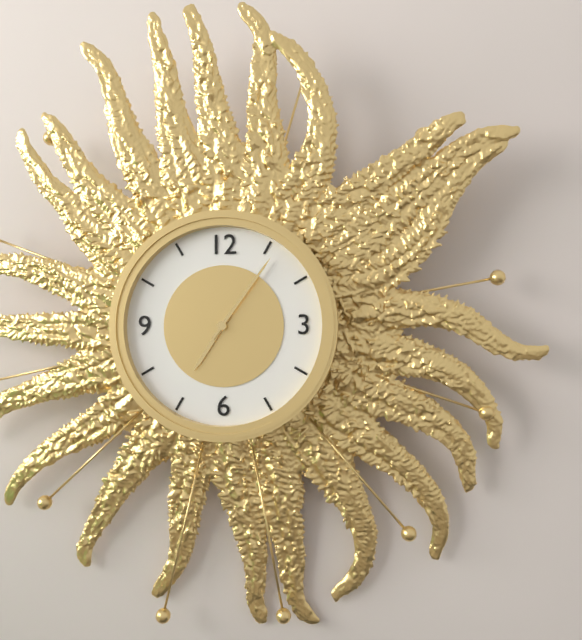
7:06
